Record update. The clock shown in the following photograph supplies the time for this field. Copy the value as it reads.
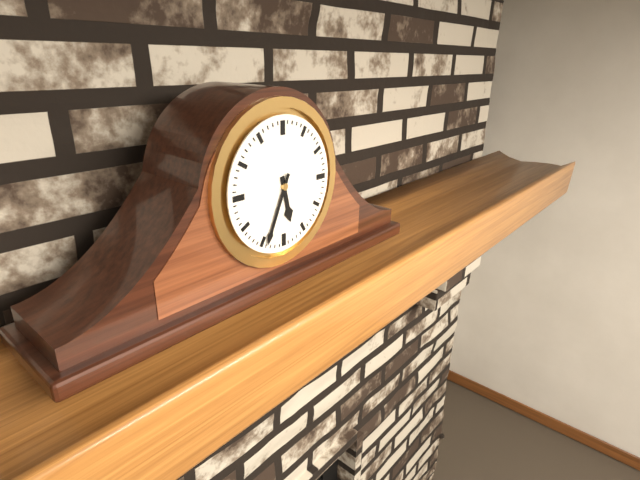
5:34
